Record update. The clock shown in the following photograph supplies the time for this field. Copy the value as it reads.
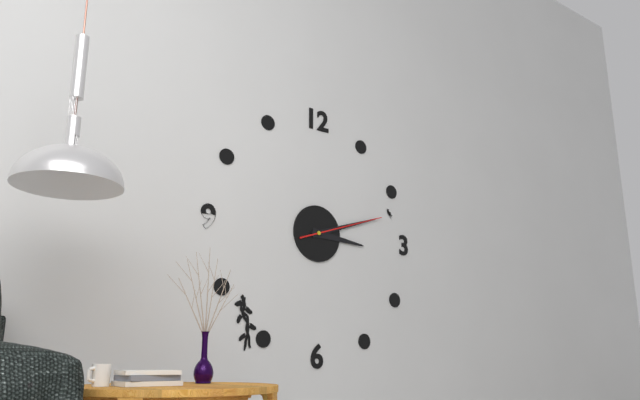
3:12:12
